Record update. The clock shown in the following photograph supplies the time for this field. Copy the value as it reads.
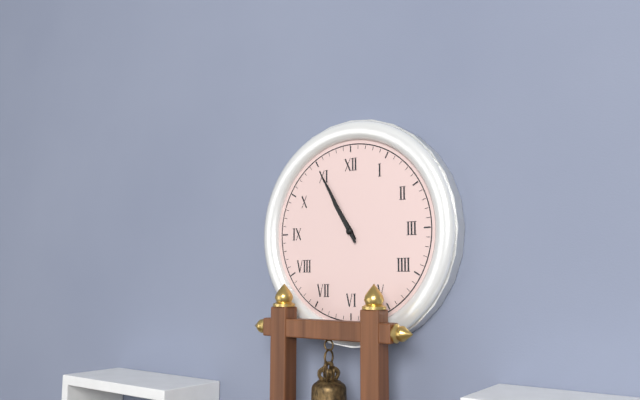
10:55
